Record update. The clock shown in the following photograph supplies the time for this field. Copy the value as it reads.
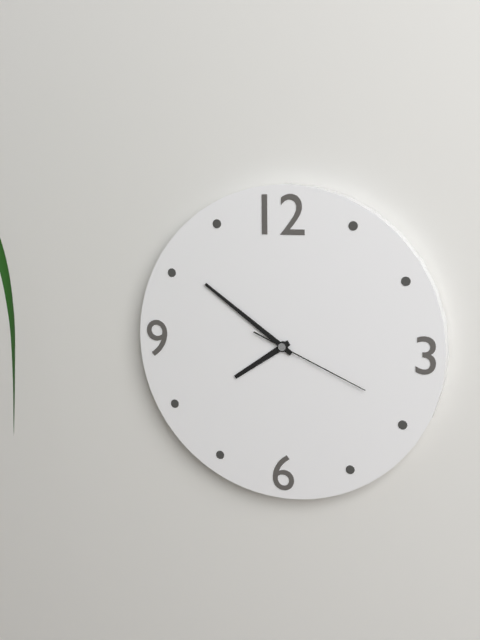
7:51:19
